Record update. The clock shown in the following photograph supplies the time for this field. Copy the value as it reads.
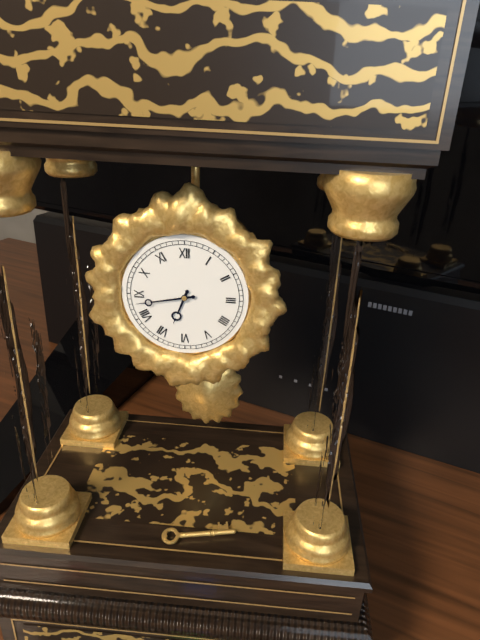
6:43
